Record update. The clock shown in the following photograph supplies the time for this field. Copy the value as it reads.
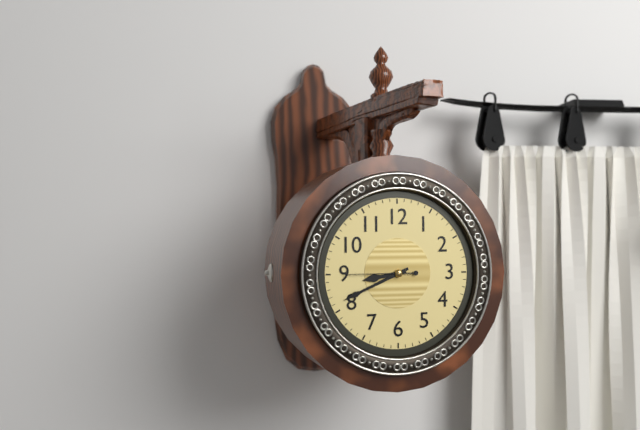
8:41:45
